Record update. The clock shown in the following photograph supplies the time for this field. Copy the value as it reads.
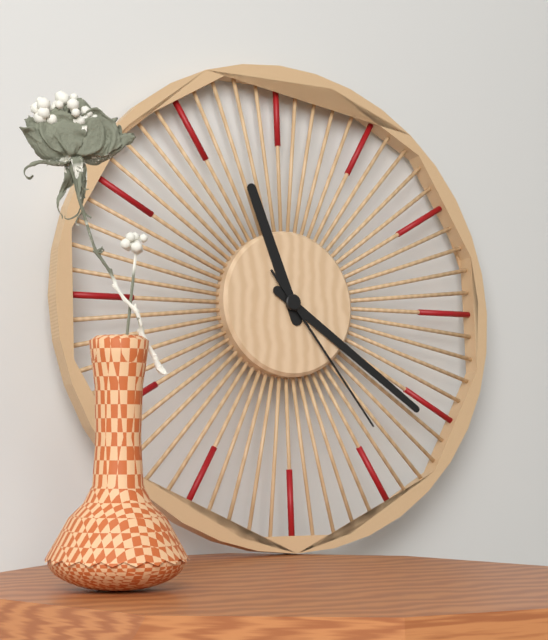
11:21:24
